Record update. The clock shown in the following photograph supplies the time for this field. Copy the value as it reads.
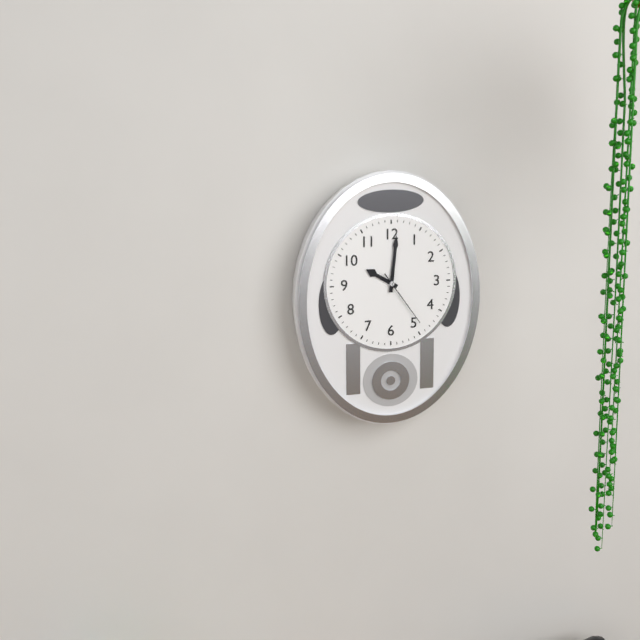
10:01:24
